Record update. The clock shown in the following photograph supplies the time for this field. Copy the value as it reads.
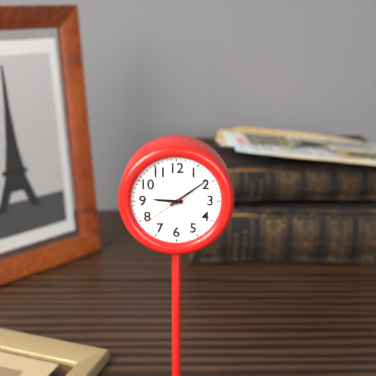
9:09:39
